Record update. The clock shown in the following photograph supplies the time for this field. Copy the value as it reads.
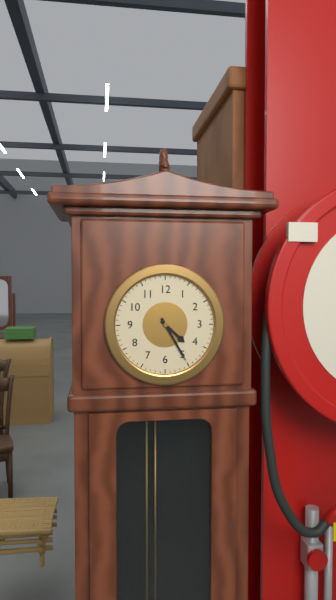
4:25
